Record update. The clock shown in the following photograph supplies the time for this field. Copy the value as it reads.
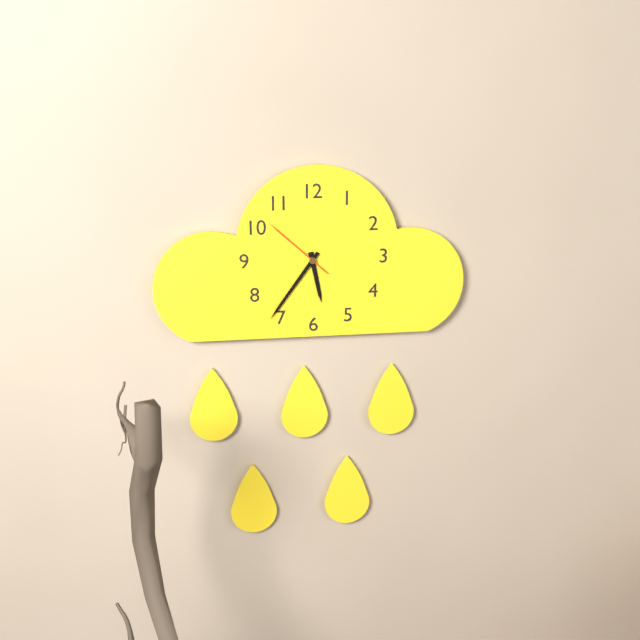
5:36:52
